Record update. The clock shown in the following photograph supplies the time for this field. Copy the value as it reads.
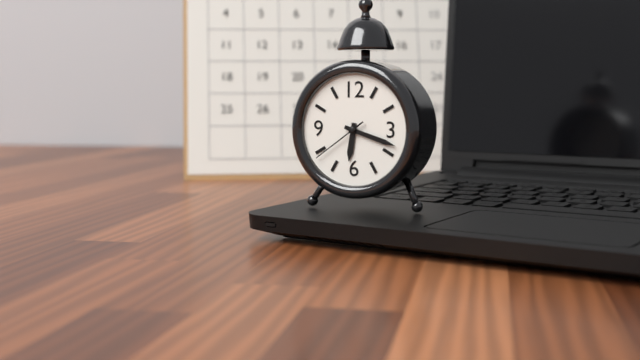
6:18:39
